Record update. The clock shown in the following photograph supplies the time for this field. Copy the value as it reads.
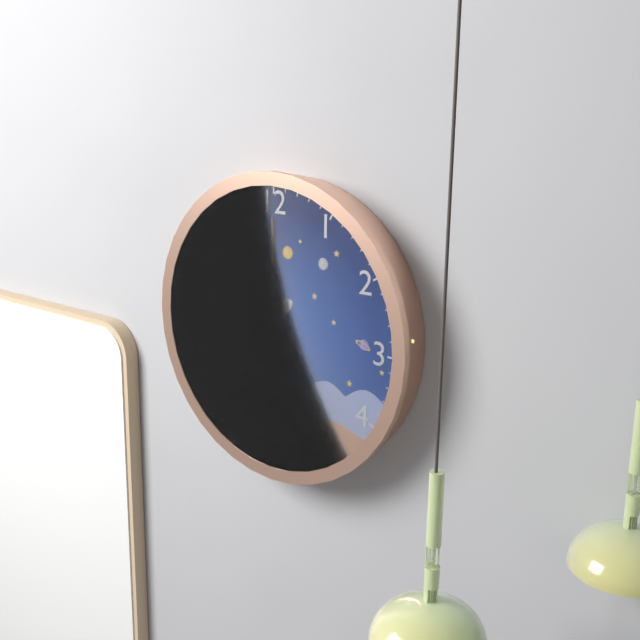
7:00:48
